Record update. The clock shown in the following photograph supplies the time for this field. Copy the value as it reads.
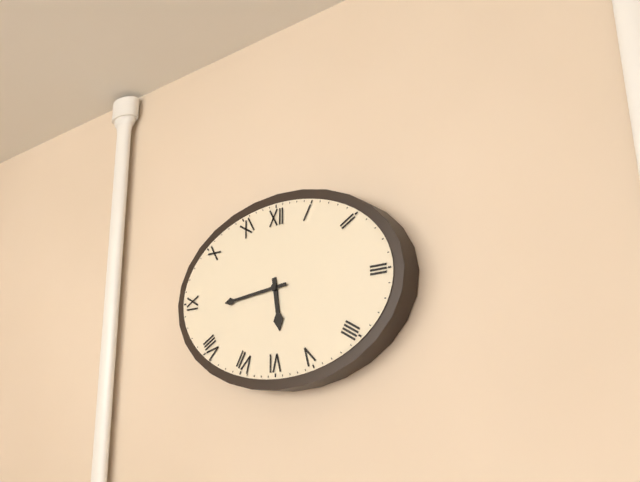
5:44
